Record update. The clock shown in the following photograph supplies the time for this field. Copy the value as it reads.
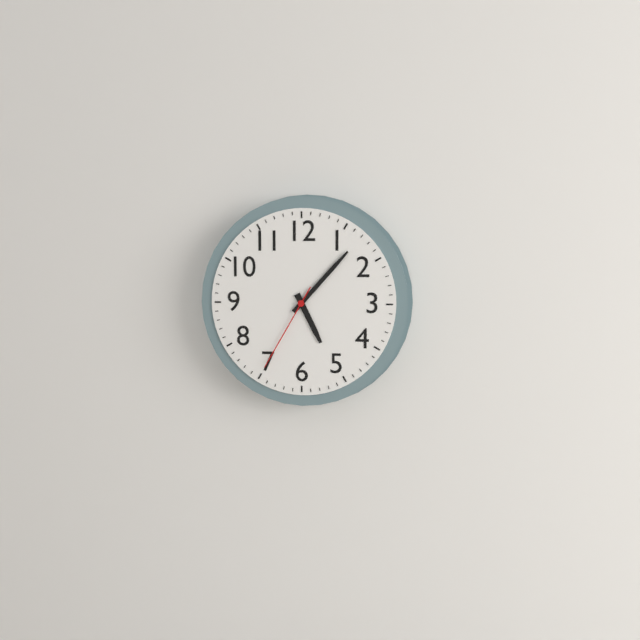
5:07:35
